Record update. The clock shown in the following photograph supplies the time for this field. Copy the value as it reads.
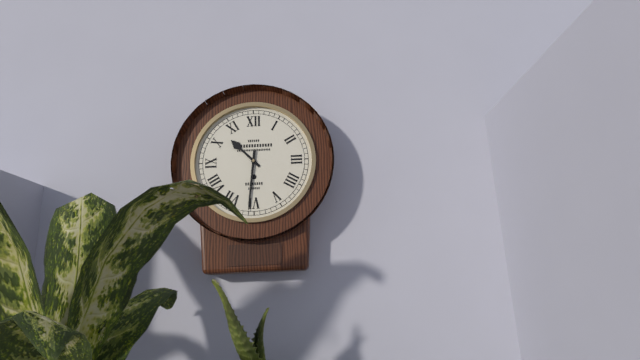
10:31
